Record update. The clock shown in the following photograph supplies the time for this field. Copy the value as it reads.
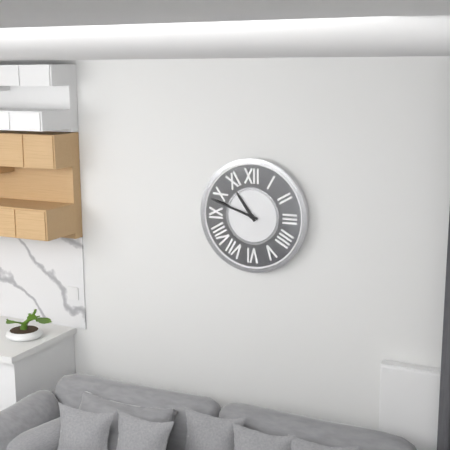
10:48
